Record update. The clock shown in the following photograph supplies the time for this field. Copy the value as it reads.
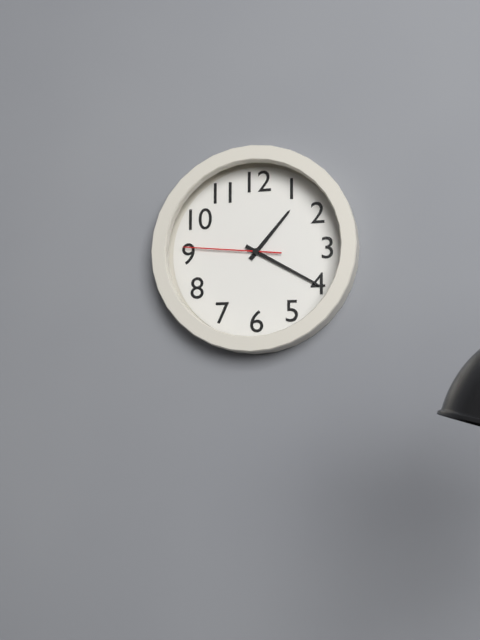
1:20:46
